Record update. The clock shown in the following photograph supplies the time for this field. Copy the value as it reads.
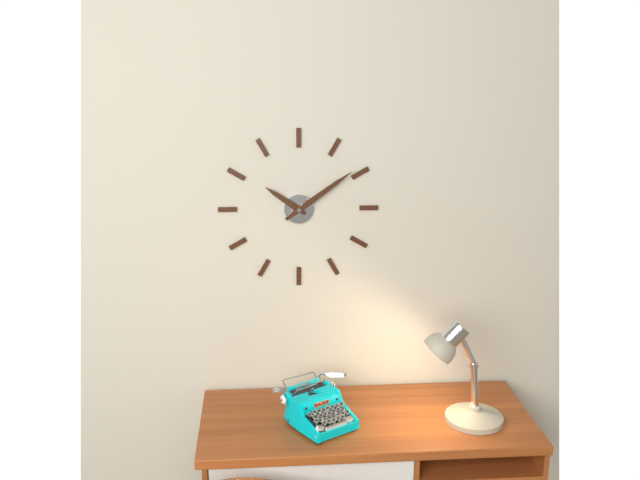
10:09
